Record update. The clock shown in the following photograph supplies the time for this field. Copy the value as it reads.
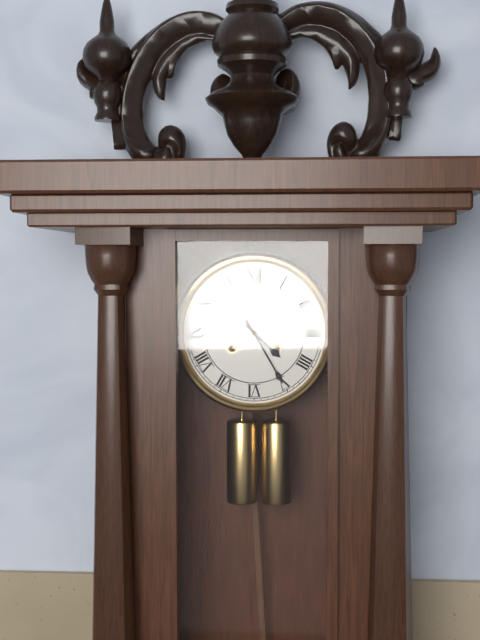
4:25
